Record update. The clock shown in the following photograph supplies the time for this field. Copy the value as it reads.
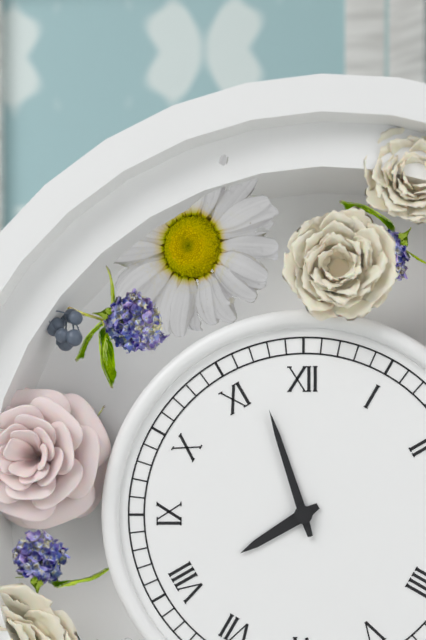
7:57
